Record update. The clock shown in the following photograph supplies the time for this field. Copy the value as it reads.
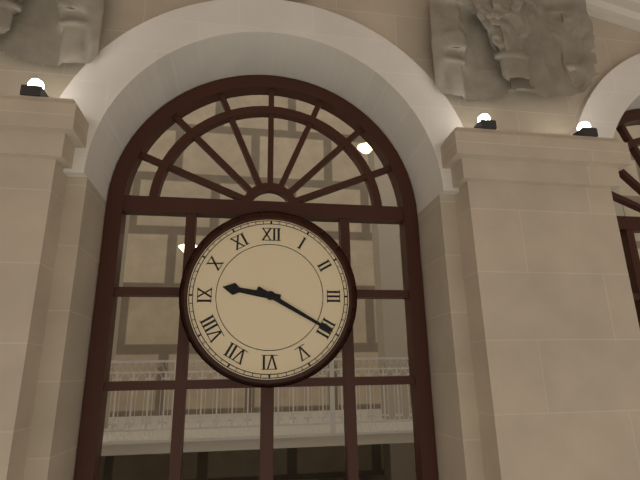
9:20
